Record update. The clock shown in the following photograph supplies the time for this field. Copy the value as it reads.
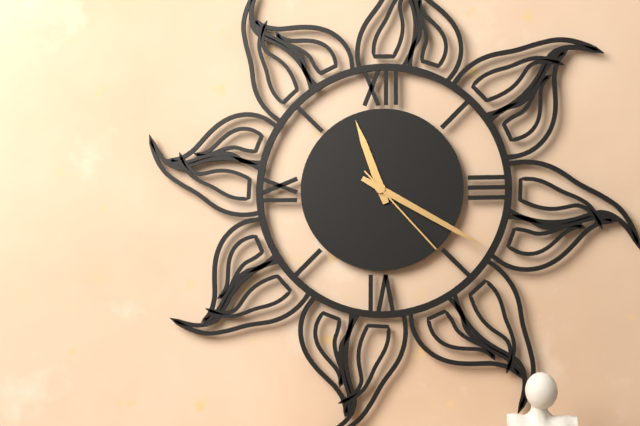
11:20:23
